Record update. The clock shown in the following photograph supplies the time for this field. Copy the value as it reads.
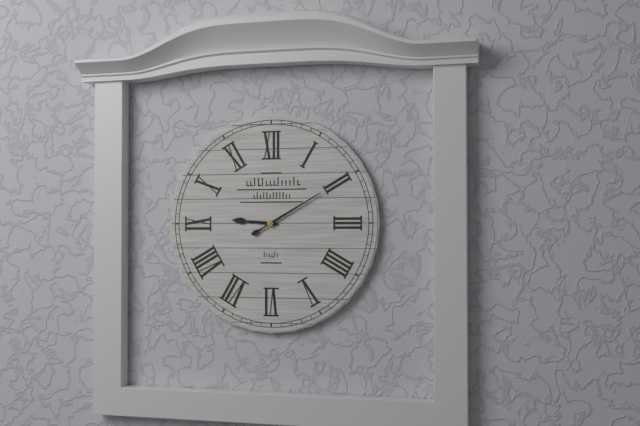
9:10
